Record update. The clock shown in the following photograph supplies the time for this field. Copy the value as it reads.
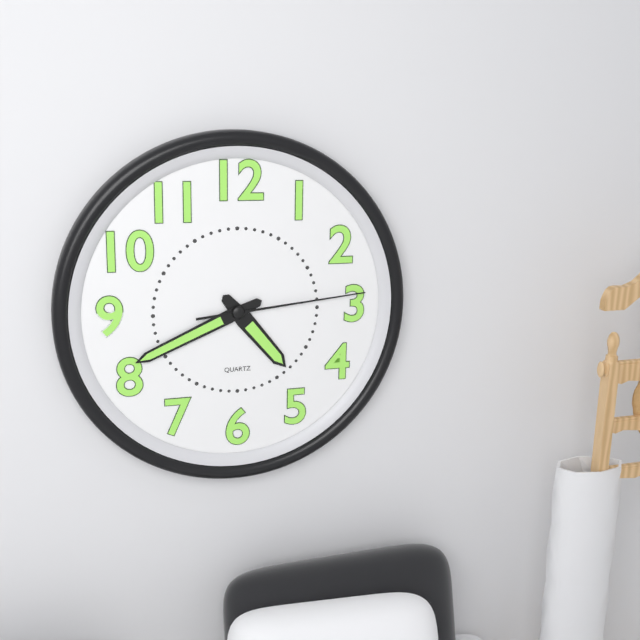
4:41:14
